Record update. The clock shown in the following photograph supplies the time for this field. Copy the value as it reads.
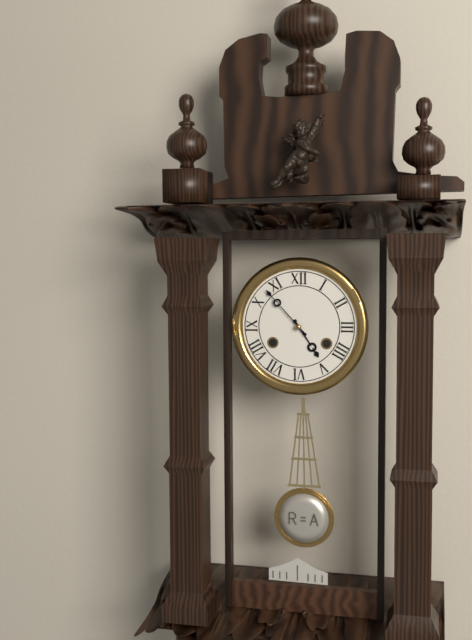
4:53
